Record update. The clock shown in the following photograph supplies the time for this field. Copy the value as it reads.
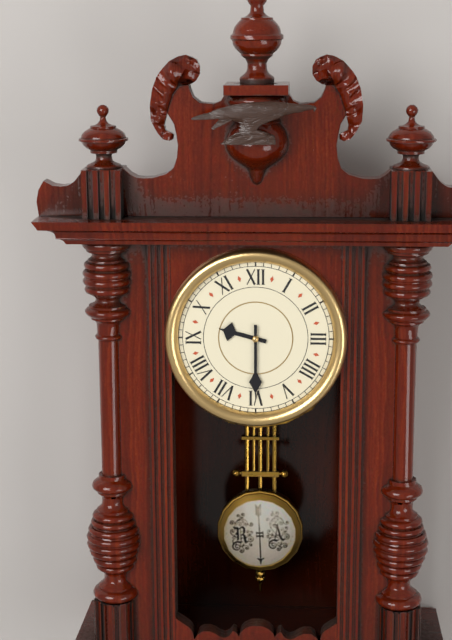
9:30
